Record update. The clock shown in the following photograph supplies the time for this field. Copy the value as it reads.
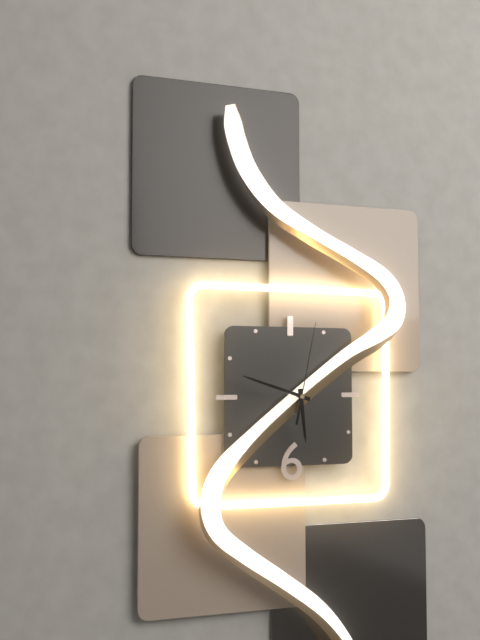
5:48:02
